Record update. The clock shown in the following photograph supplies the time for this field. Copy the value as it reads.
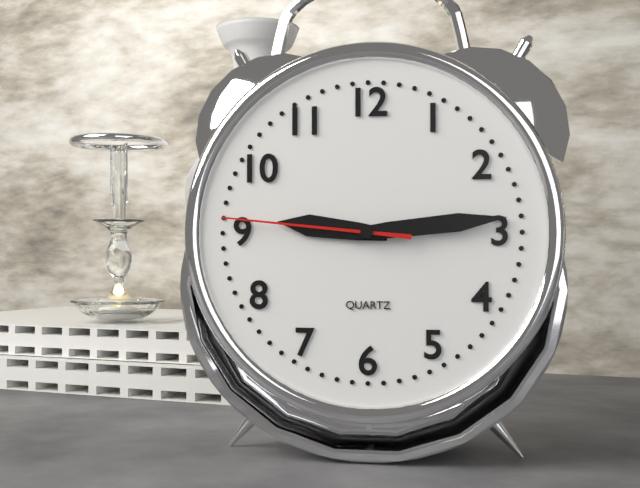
9:14:46
